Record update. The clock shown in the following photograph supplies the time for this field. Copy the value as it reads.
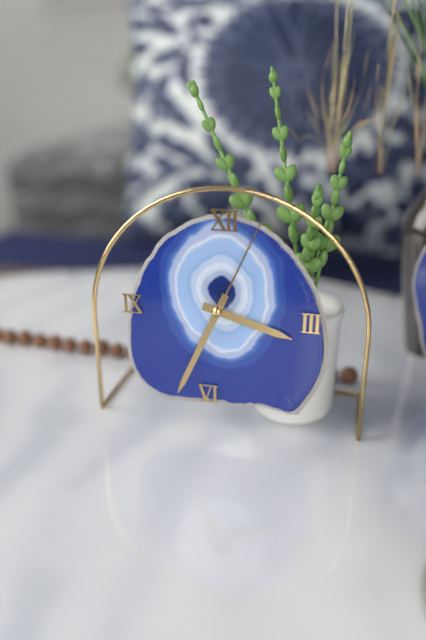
3:34:04
